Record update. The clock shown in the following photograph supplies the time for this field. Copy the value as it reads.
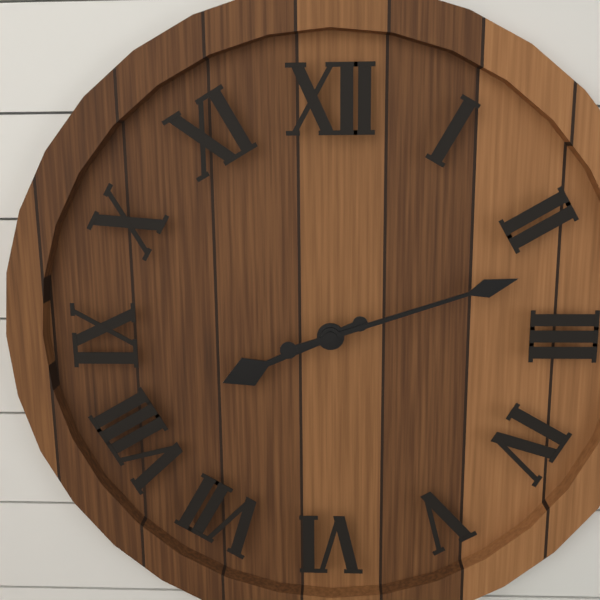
8:12
